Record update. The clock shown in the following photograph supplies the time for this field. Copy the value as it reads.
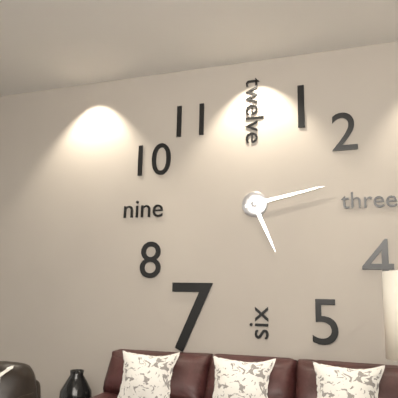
5:13
